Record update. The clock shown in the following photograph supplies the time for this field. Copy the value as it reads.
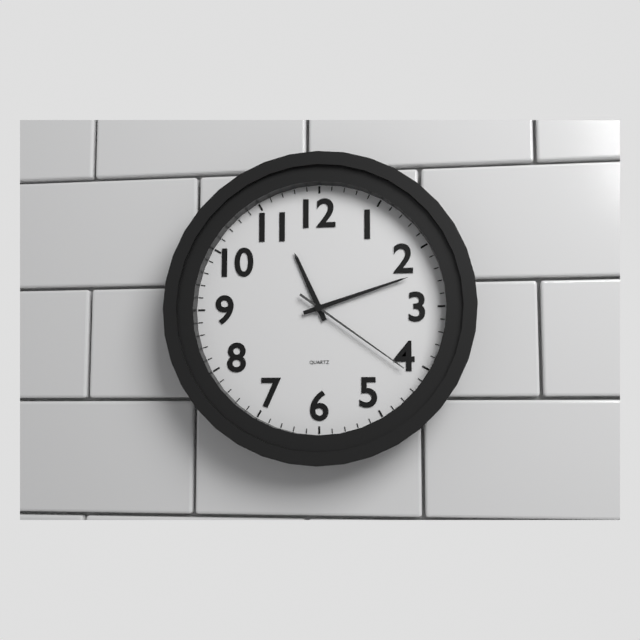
11:12:21
